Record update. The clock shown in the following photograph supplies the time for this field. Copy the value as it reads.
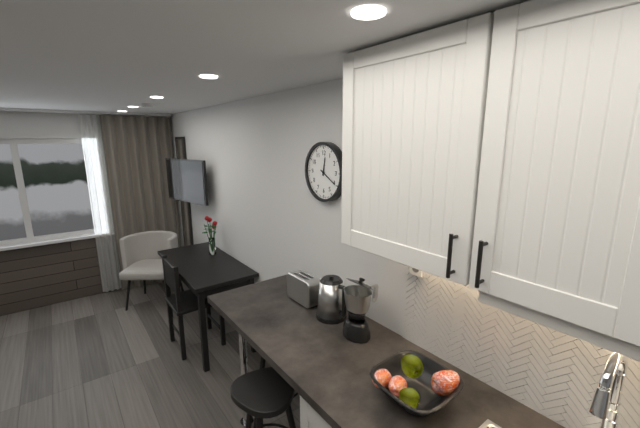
12:20
